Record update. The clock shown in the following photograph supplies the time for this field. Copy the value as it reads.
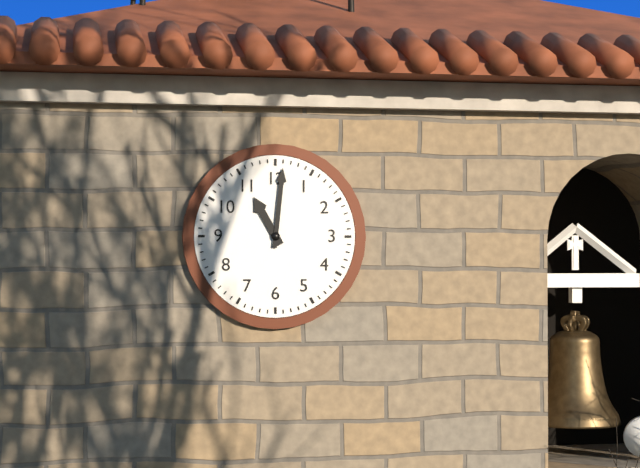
11:01
